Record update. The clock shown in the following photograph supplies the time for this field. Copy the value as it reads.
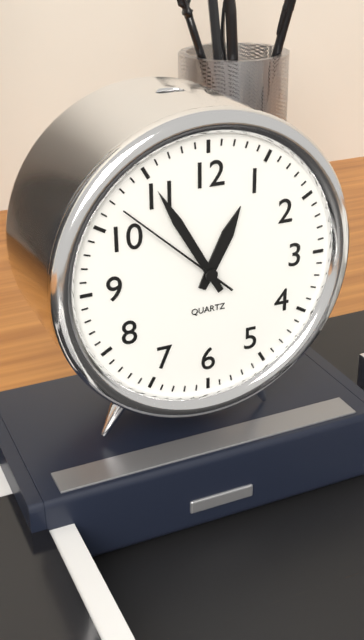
12:55:52
